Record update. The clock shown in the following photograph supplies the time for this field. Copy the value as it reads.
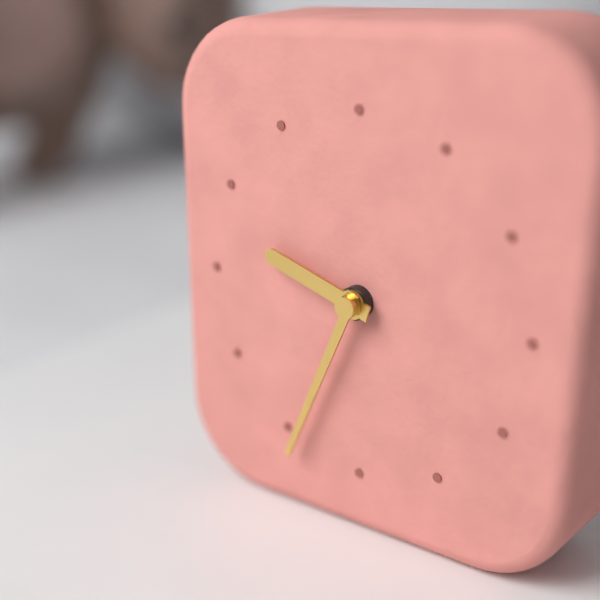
9:34
